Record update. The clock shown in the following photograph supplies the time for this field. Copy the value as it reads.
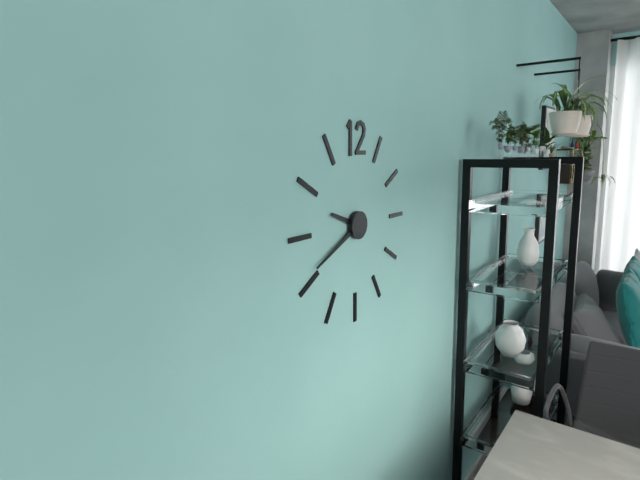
9:41
